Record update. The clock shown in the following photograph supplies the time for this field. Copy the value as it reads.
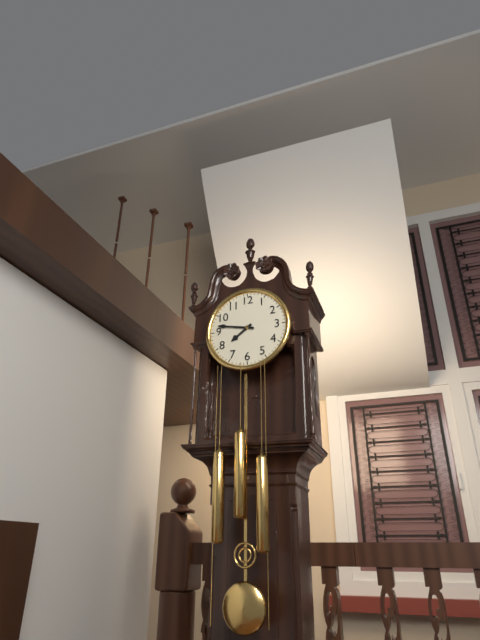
7:47
